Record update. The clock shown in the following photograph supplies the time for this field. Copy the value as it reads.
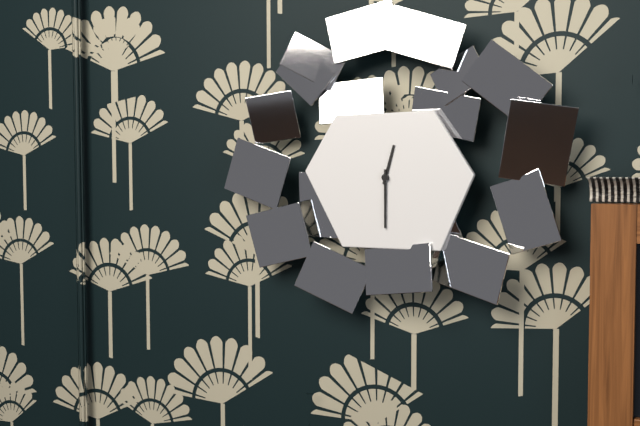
12:30
